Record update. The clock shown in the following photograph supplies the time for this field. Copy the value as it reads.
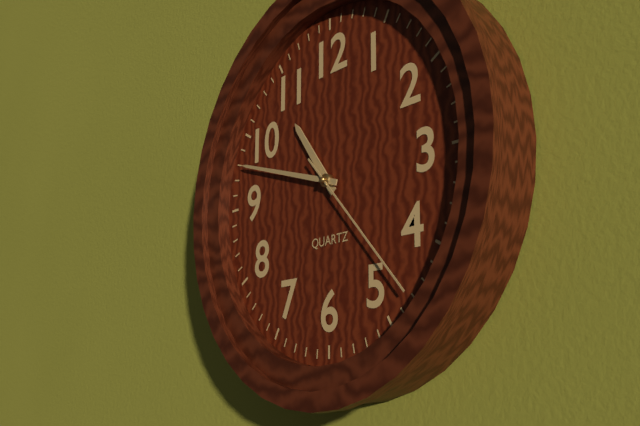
10:48:23
